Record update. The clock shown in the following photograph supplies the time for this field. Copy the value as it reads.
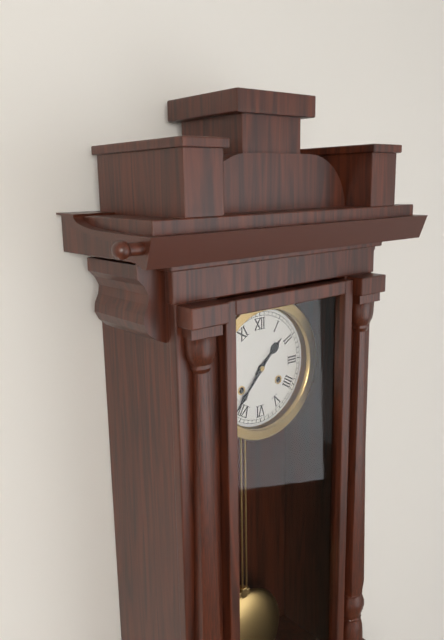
1:37
